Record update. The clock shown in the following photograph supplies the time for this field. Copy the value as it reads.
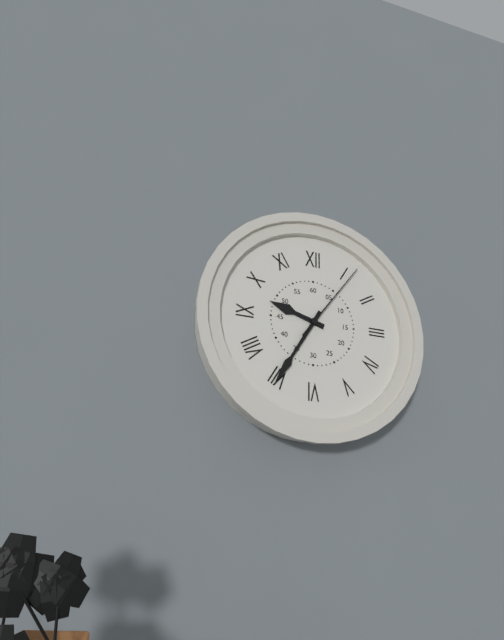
9:35:06
